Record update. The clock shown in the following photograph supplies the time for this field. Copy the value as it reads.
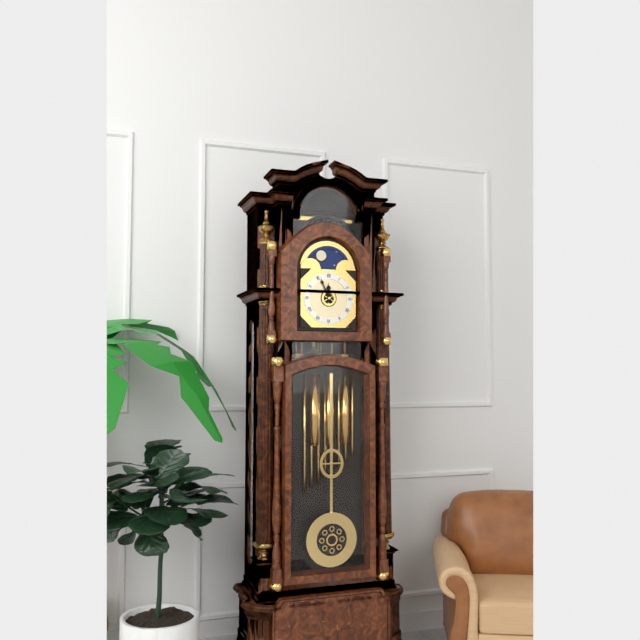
11:56
